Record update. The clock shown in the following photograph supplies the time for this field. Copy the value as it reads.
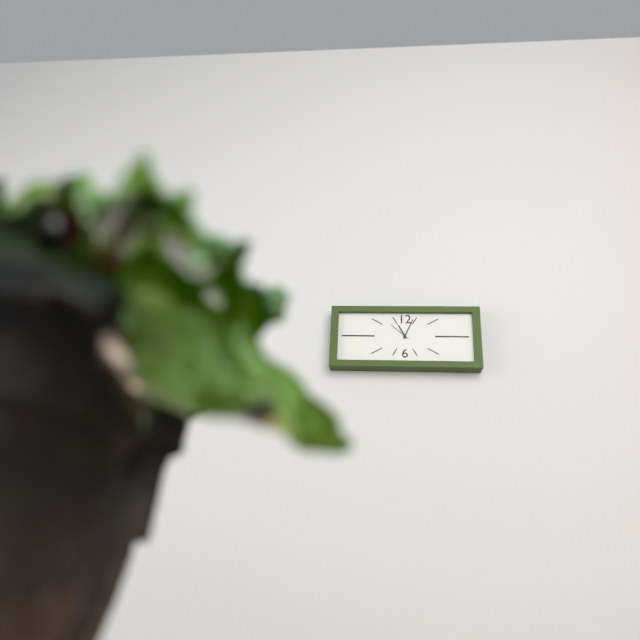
11:04
